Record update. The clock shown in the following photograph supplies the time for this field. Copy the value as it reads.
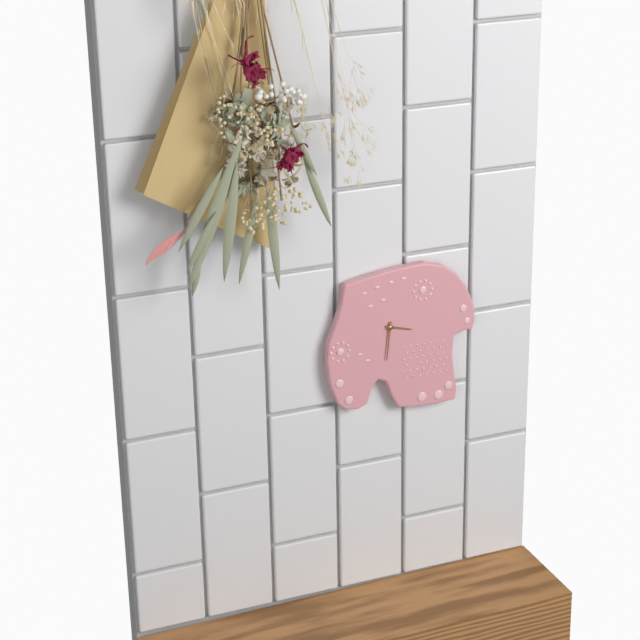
3:31
